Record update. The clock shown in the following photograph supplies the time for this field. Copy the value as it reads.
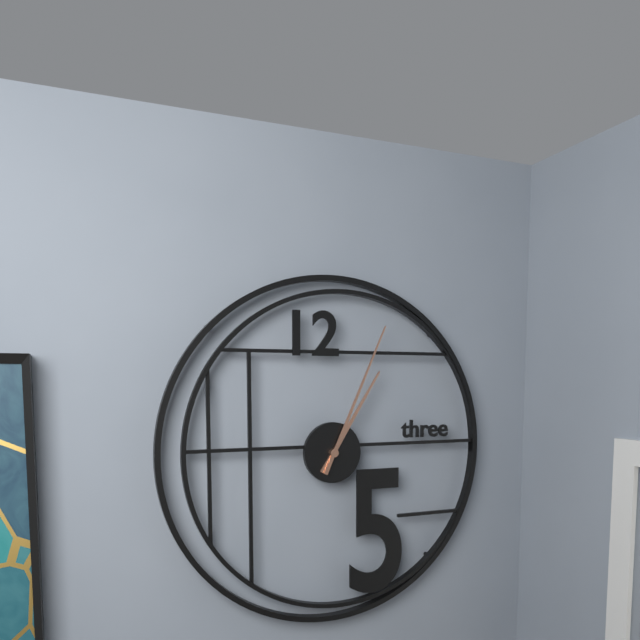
1:04
